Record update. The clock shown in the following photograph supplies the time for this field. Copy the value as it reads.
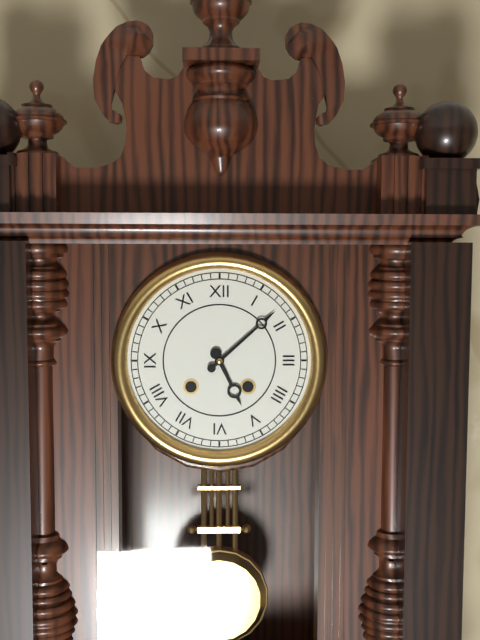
5:08
